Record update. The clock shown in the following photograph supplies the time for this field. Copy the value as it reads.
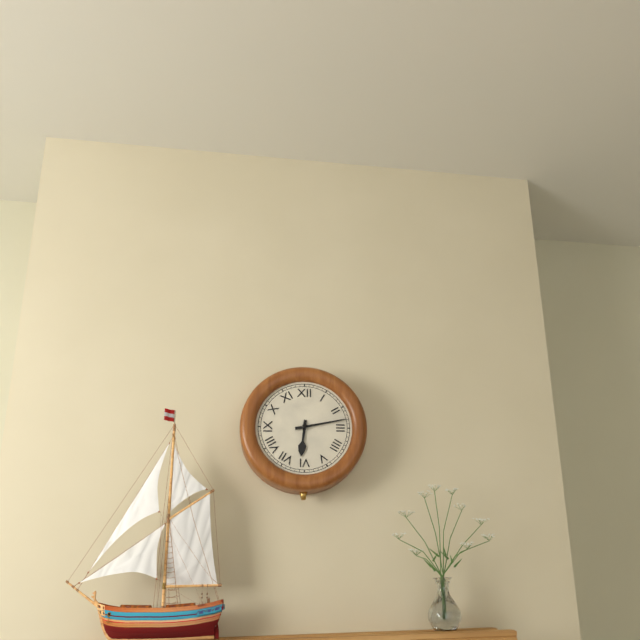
6:13
